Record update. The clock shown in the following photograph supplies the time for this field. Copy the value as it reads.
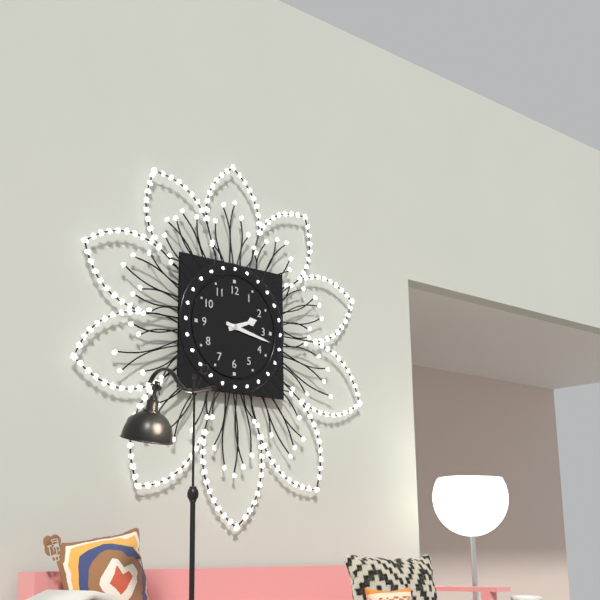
2:17
